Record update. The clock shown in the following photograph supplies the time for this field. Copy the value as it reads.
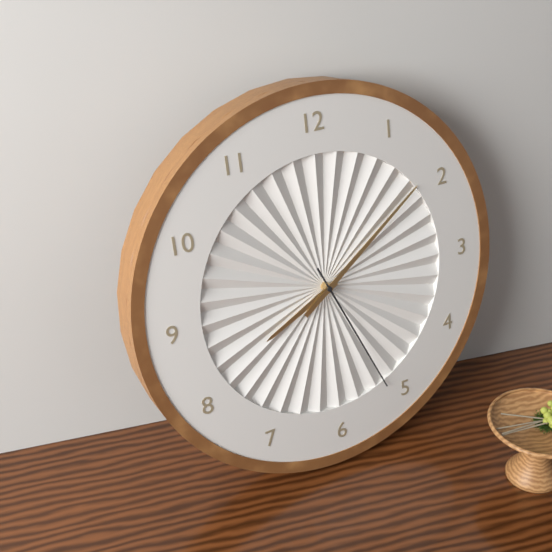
8:09:26
